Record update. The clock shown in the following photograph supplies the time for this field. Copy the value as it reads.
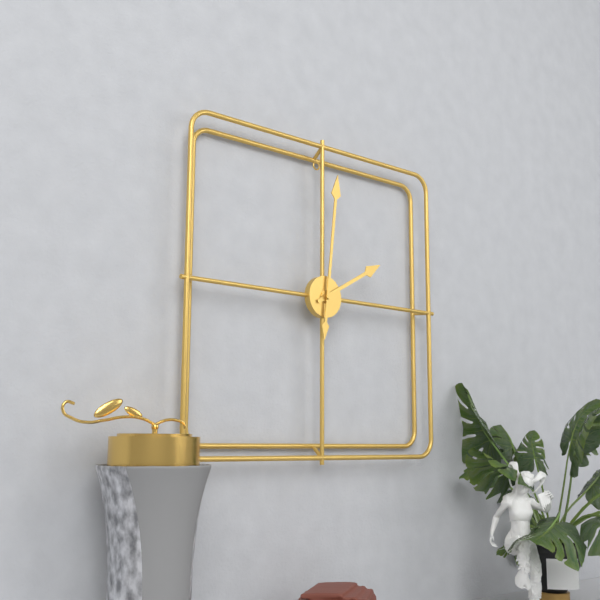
2:01
